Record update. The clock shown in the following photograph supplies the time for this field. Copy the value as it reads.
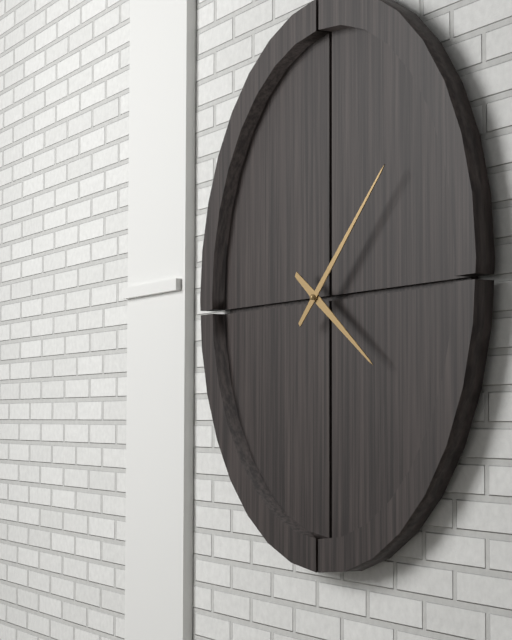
4:08
